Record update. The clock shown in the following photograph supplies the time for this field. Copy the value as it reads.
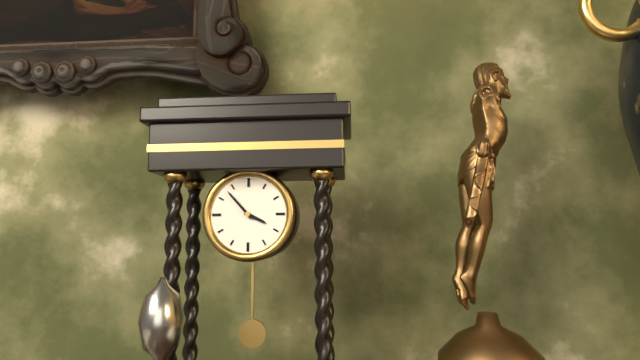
3:53
